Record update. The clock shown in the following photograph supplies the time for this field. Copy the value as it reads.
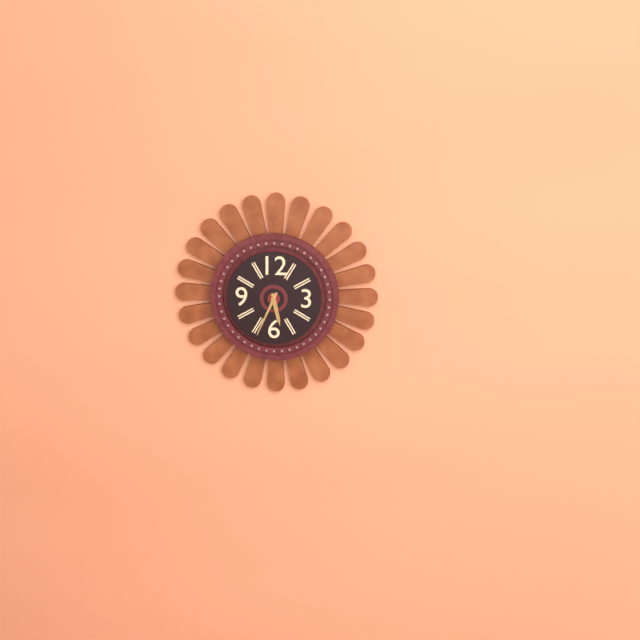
5:34
